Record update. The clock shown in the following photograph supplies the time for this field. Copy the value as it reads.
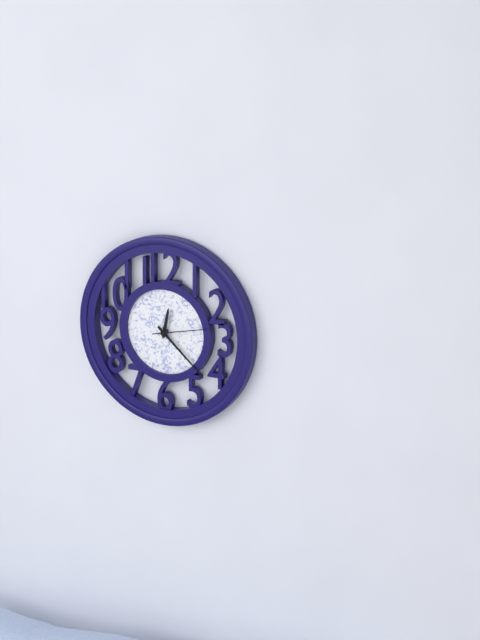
12:22
